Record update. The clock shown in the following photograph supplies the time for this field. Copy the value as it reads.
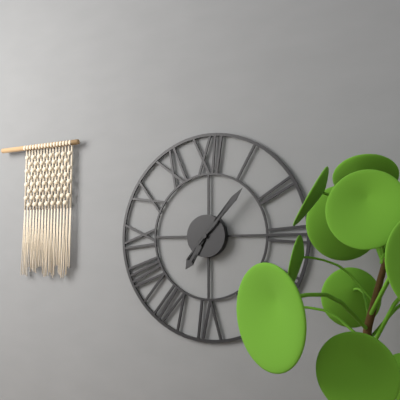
7:07
